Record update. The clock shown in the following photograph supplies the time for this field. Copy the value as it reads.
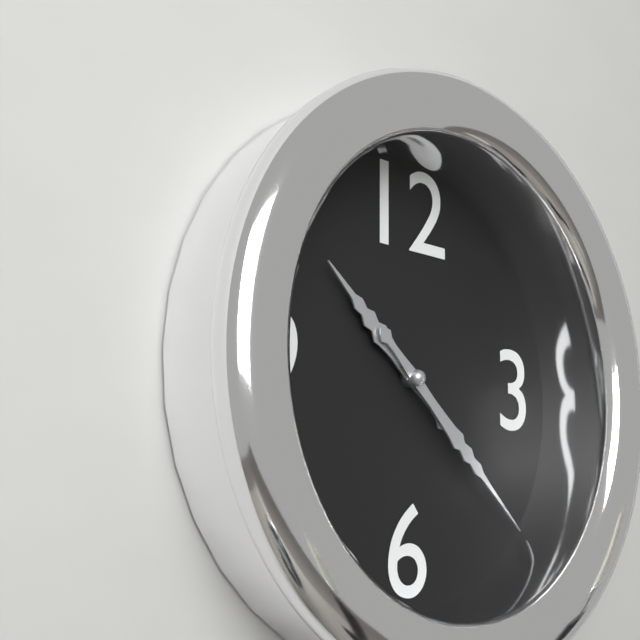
10:22
